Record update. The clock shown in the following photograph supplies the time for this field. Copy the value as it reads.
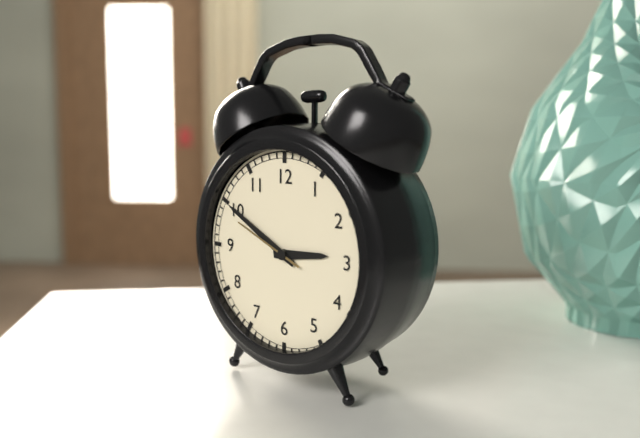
2:50:49
